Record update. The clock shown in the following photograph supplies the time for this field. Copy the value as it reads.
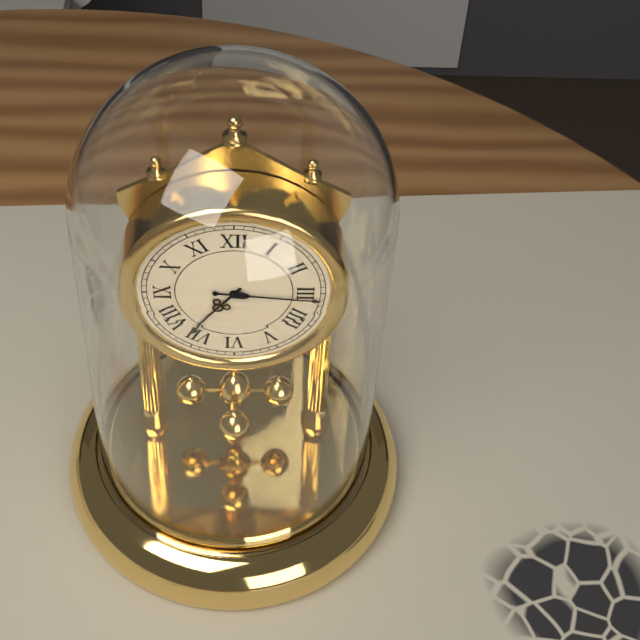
7:16
